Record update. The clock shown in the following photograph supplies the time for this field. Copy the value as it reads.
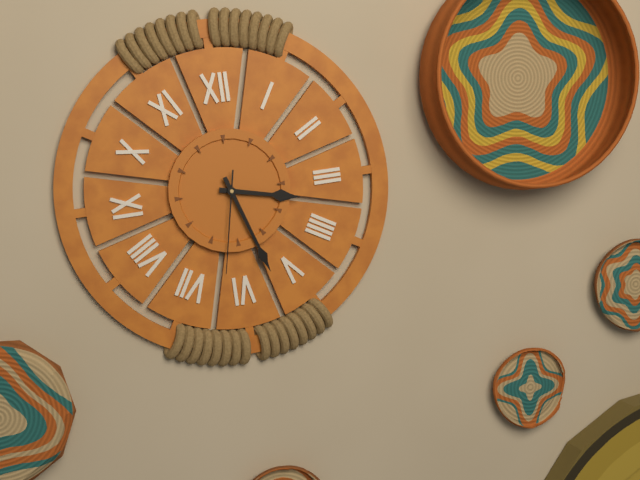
3:27:32
